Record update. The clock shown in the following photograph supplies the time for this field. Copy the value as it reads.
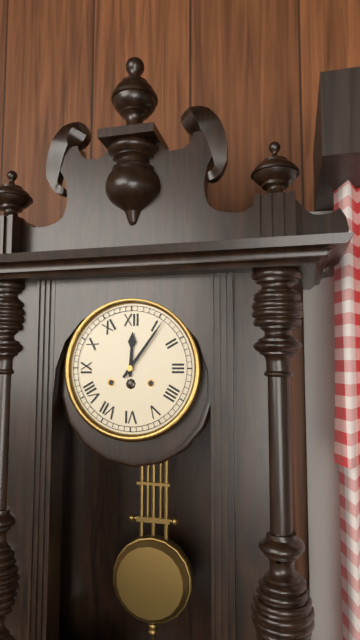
12:06
